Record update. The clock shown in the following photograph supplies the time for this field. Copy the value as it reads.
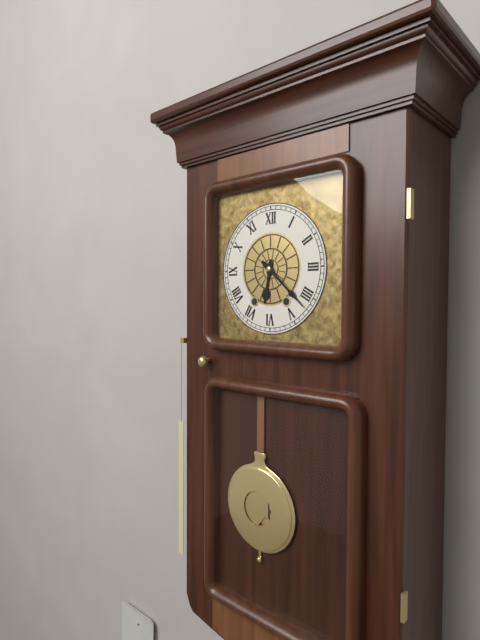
6:22
